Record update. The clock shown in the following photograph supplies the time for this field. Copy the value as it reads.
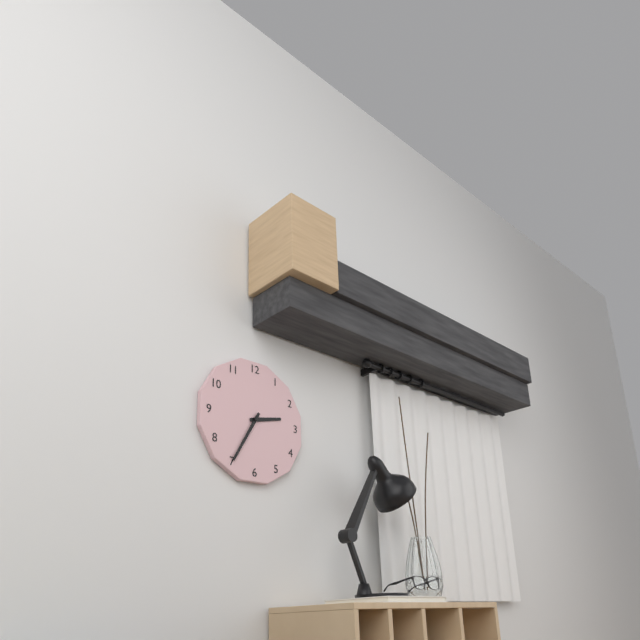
2:35
